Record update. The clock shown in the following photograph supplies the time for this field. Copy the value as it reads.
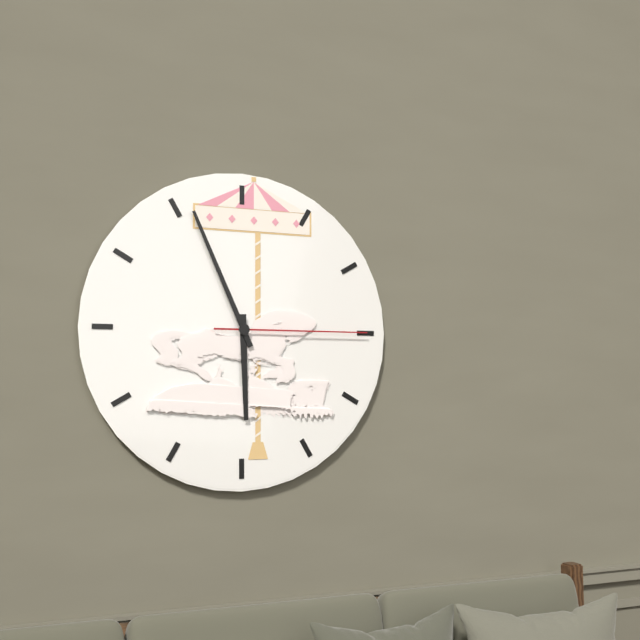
5:56:15
